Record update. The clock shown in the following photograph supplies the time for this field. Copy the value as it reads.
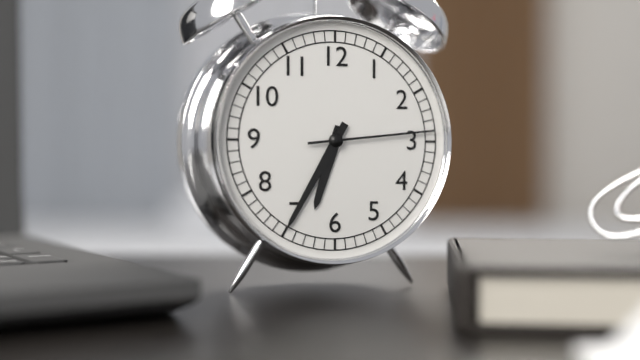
6:35:14
